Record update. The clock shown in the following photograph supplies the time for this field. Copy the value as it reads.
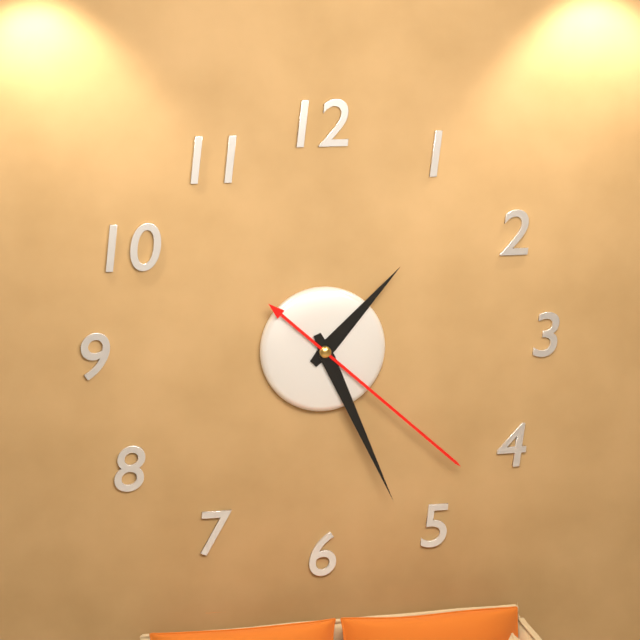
1:26:22
